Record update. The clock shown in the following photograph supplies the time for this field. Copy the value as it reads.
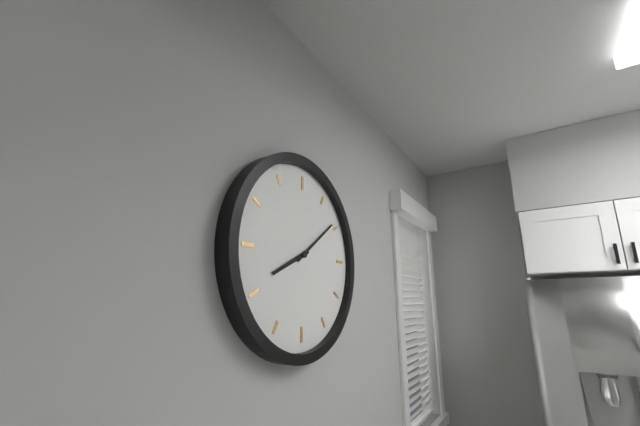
8:09
